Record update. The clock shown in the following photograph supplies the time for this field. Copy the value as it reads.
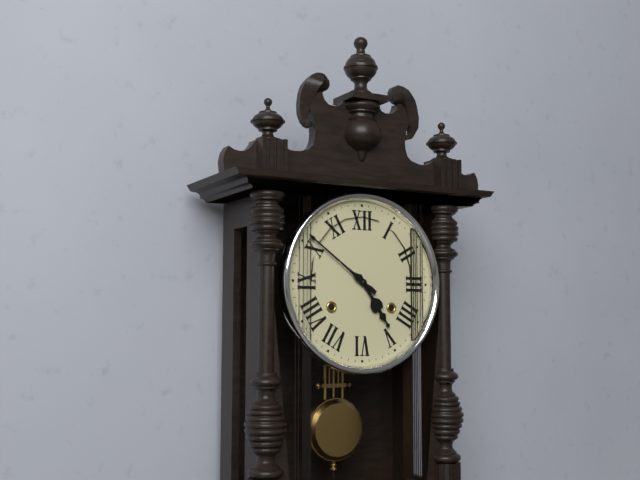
4:51
